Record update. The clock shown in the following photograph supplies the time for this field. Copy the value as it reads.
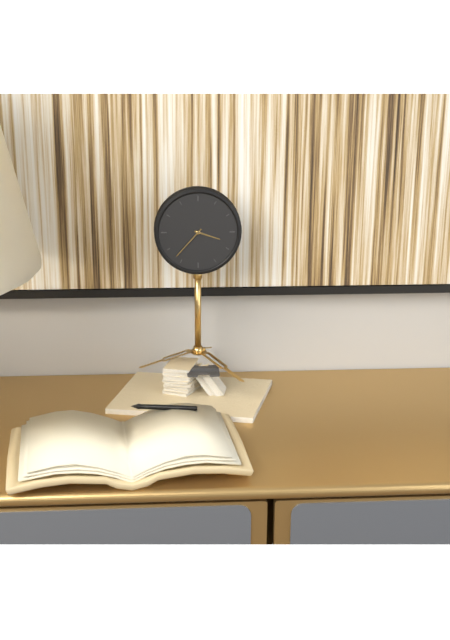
3:37
